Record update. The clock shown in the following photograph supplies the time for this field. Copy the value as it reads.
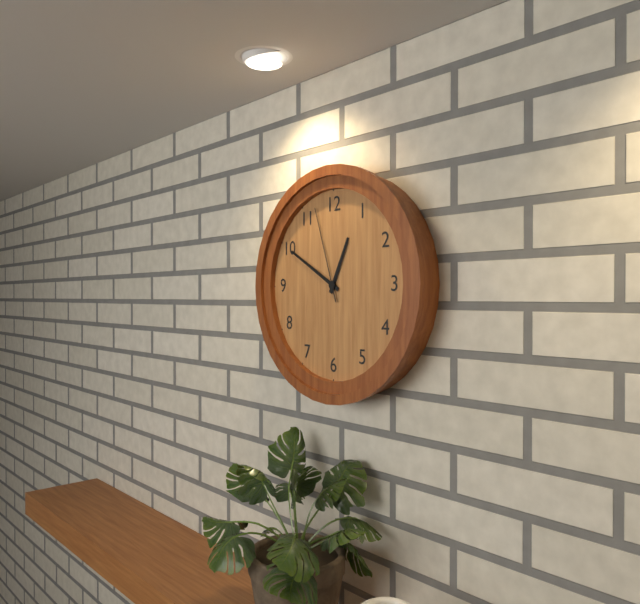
12:50:57
